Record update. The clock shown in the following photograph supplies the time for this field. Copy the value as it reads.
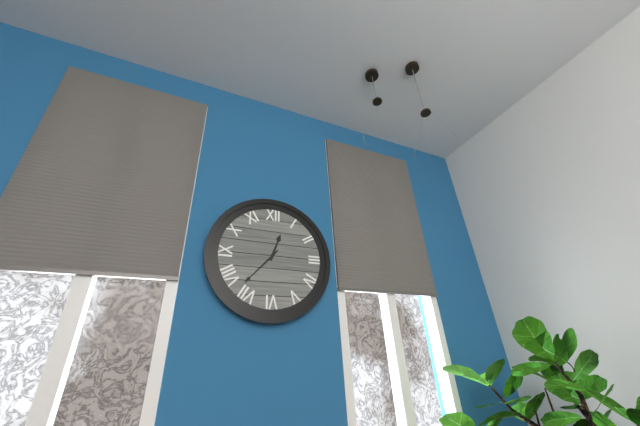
12:37
